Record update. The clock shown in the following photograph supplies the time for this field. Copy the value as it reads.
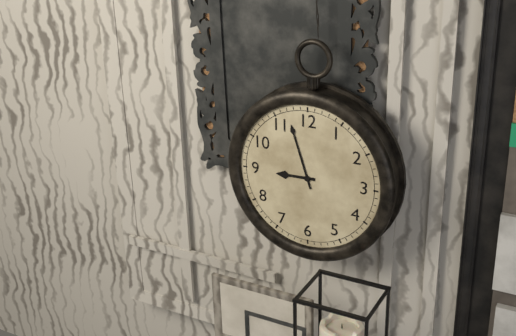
8:57
